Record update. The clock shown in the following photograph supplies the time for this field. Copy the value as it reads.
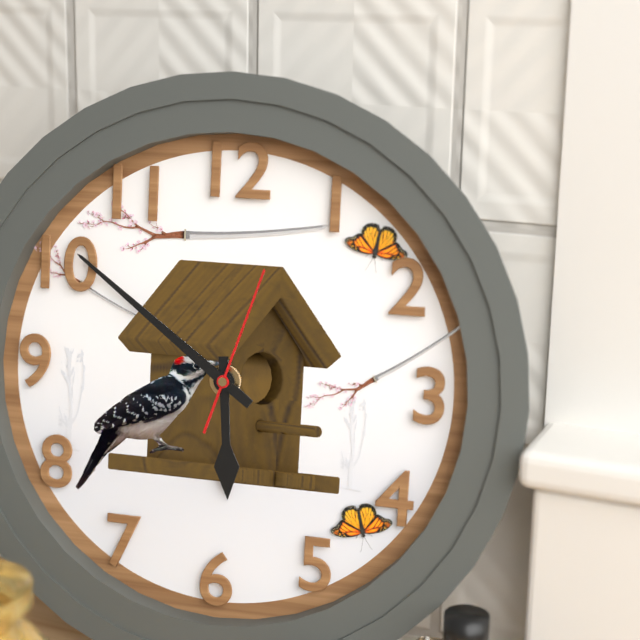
5:51:03
